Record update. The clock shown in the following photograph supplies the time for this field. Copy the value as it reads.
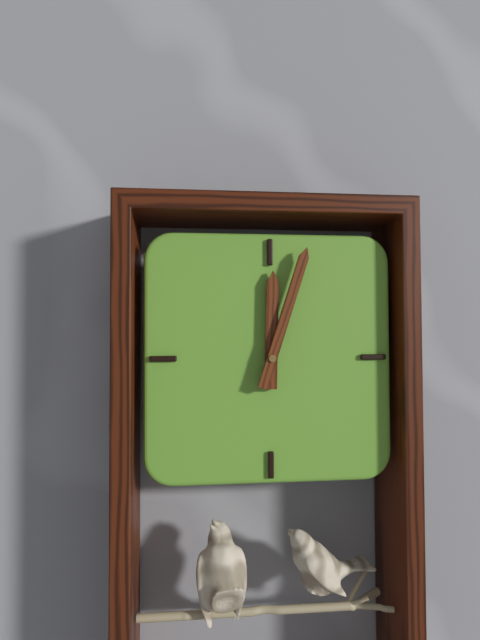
12:03
